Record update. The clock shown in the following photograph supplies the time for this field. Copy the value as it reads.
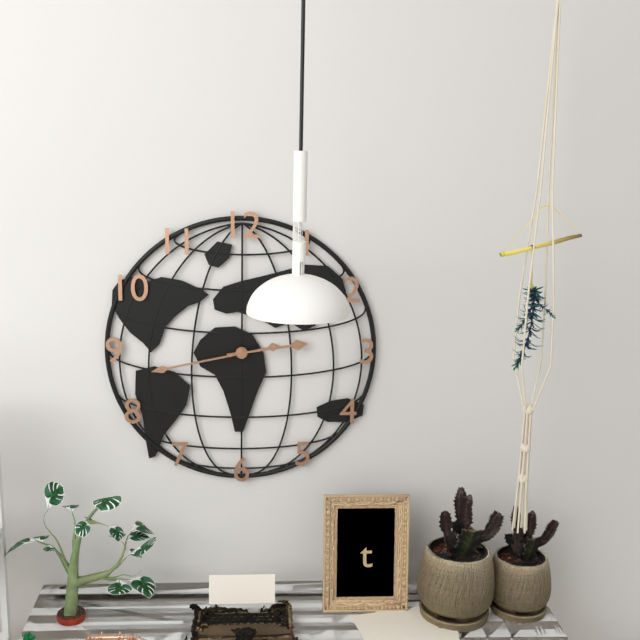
2:43
